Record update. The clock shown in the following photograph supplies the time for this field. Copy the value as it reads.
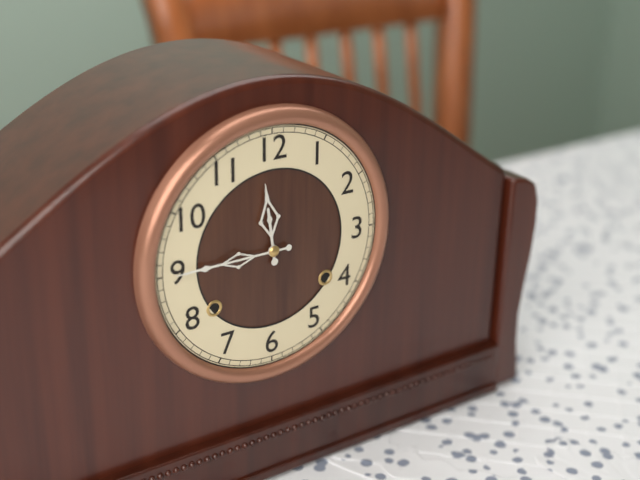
11:45
